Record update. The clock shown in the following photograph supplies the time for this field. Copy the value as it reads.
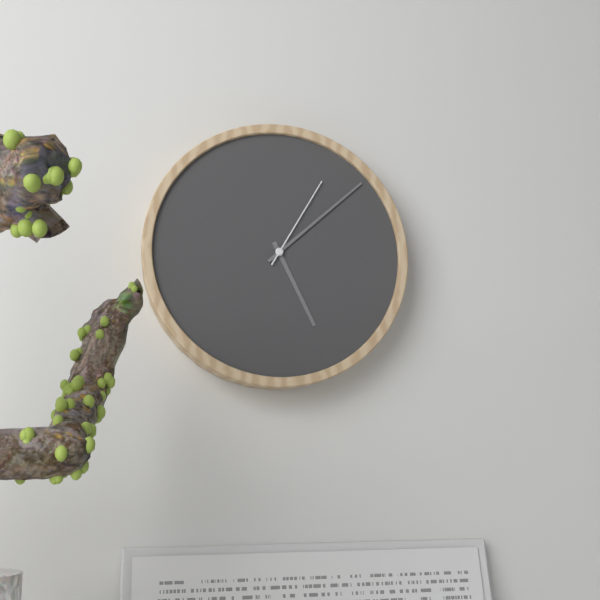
5:08:05
